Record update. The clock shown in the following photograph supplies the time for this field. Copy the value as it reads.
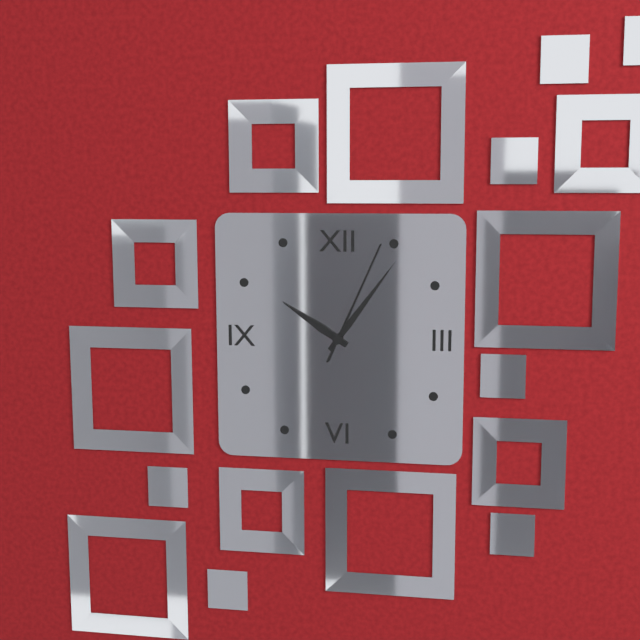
10:06:04
